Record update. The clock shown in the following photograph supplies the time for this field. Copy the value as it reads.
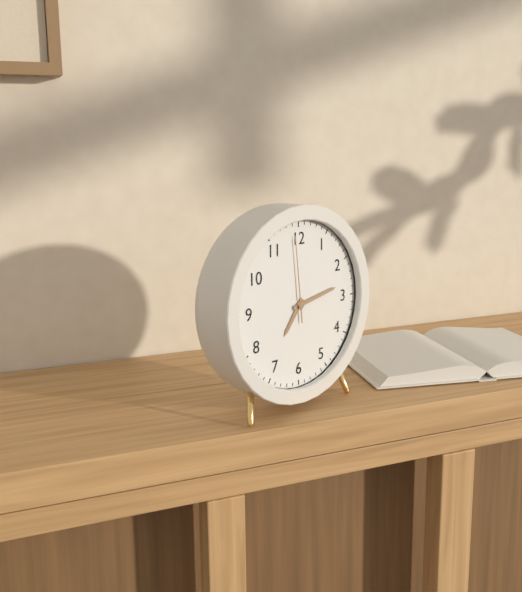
7:13:59
